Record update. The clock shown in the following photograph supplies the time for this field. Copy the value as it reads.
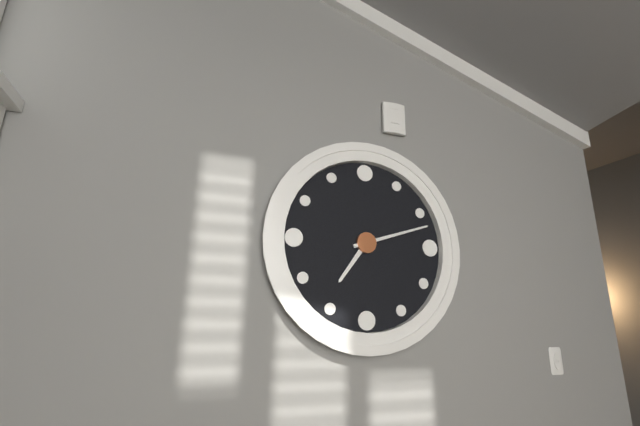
7:12
